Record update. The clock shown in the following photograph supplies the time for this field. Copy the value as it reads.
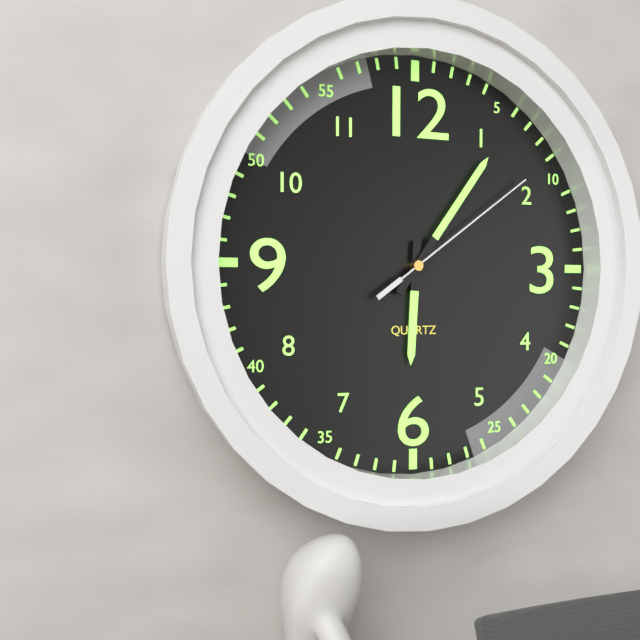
6:06:09
